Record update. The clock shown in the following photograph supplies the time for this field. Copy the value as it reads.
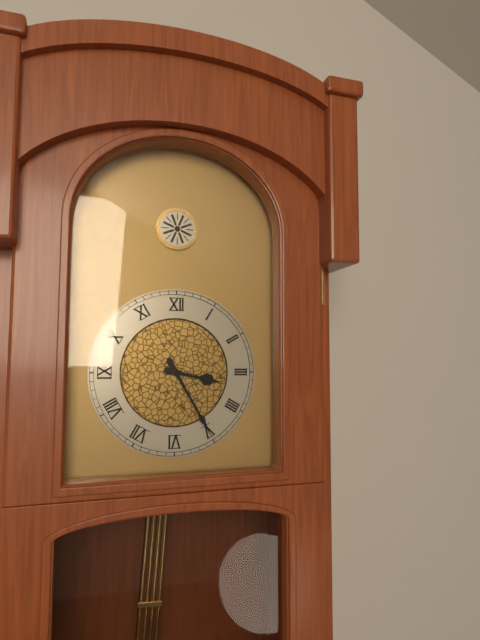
3:25
